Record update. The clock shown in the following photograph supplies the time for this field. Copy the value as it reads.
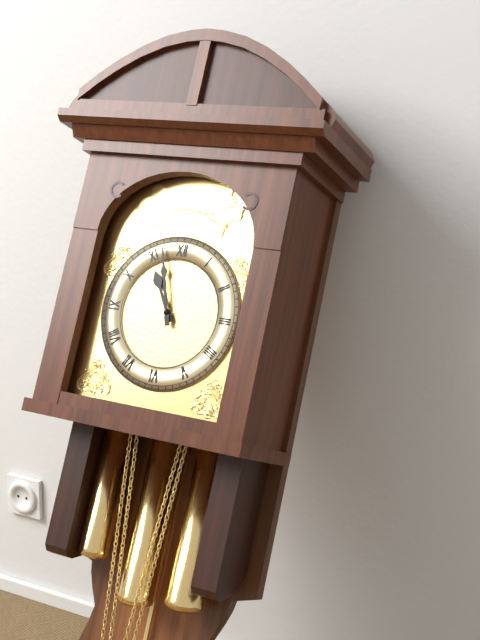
10:57
